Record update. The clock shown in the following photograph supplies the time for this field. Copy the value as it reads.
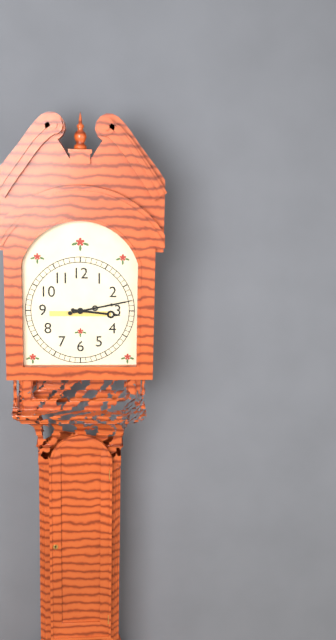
3:13
